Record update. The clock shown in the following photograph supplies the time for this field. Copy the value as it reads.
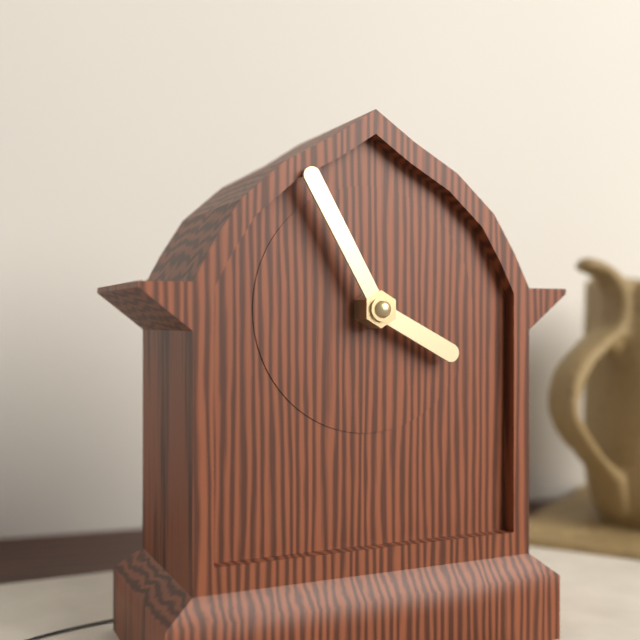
3:55
